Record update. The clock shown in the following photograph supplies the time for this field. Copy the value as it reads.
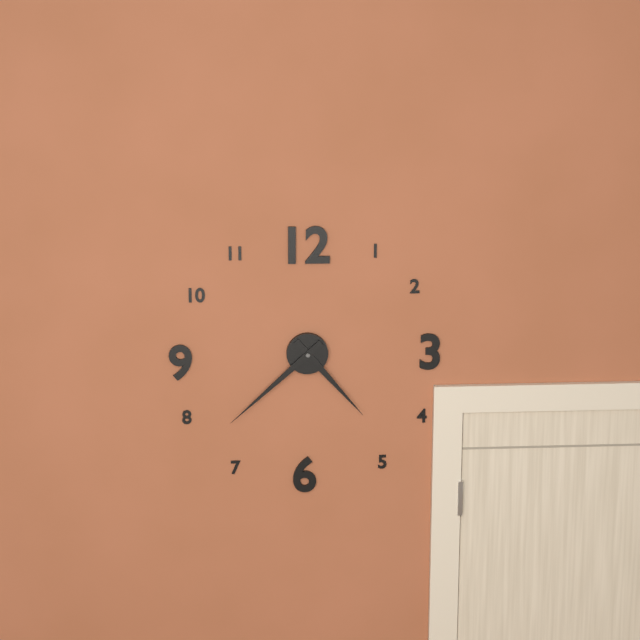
4:38
